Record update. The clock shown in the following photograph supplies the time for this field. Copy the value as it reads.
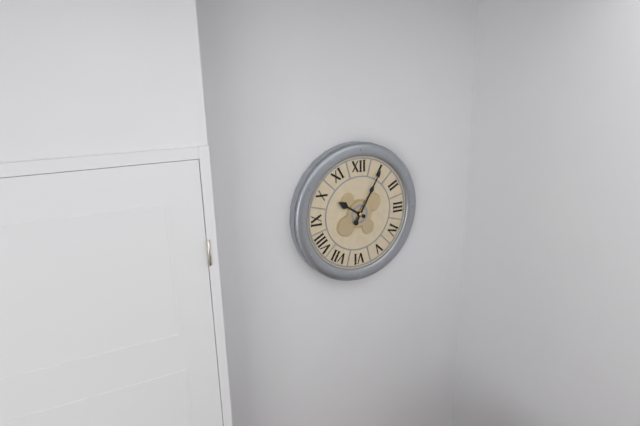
10:05
